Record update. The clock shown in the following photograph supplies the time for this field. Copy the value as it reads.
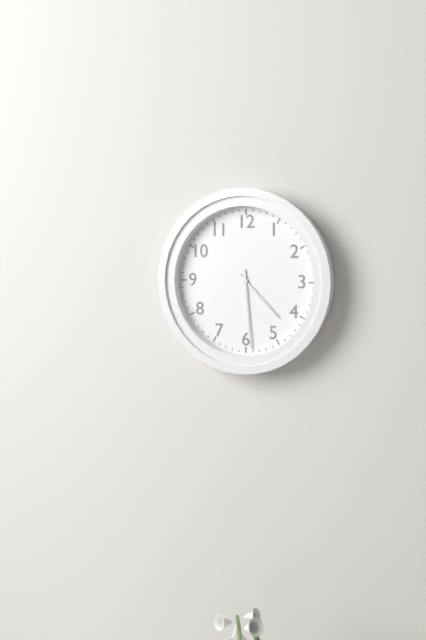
4:29
